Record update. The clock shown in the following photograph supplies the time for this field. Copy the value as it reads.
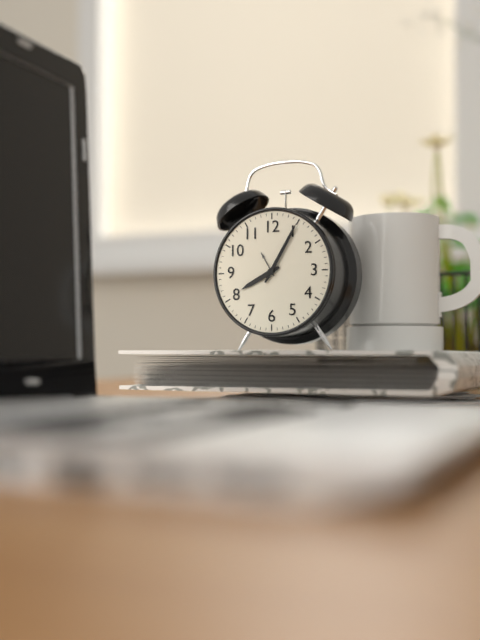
8:05
